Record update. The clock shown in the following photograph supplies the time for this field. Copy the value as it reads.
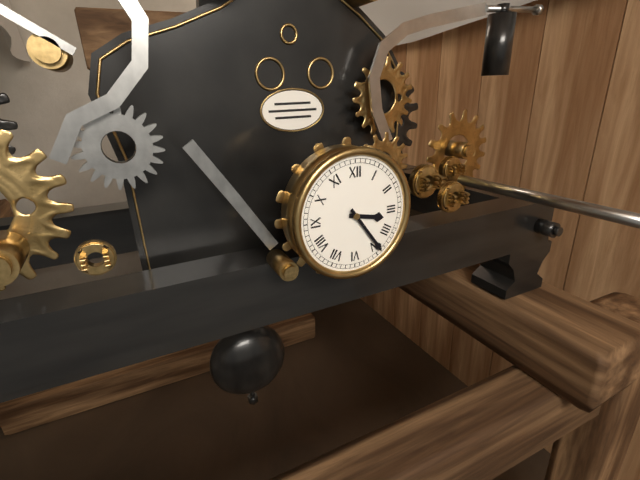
3:24
